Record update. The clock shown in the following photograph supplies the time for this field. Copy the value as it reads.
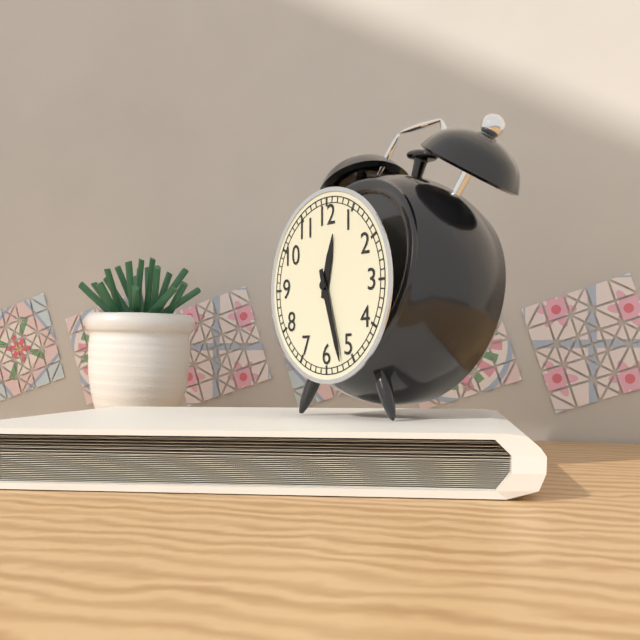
12:27
